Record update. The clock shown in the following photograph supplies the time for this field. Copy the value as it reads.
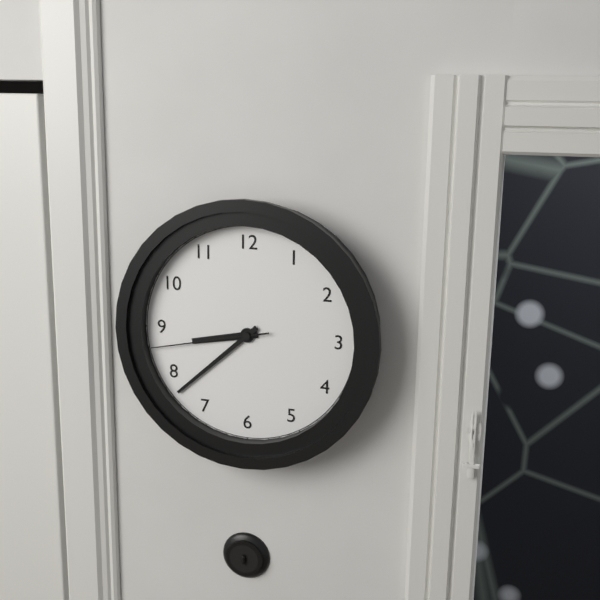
8:38:43
